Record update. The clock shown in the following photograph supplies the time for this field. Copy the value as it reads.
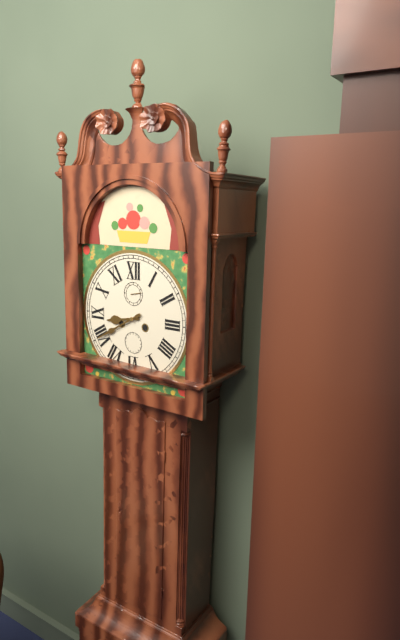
8:40
